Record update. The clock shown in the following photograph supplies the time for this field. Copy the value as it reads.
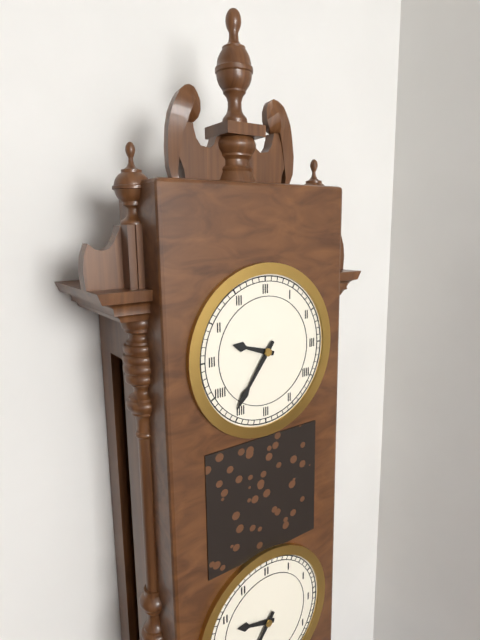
9:36
